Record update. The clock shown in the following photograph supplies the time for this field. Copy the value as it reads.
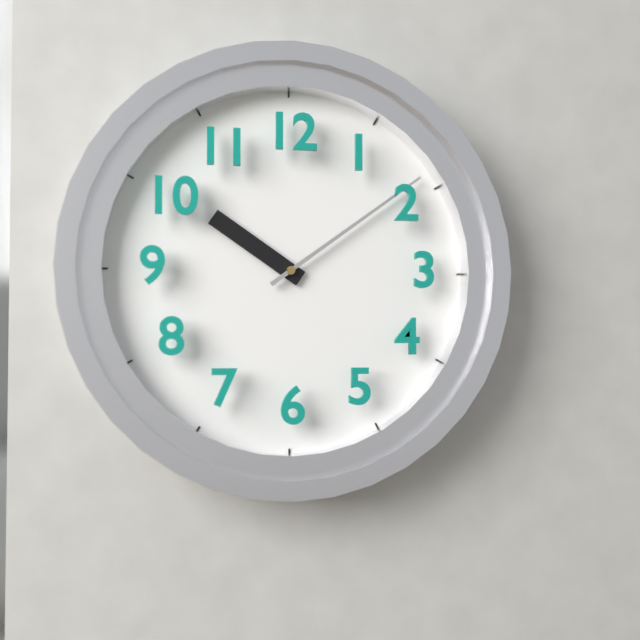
10:09
